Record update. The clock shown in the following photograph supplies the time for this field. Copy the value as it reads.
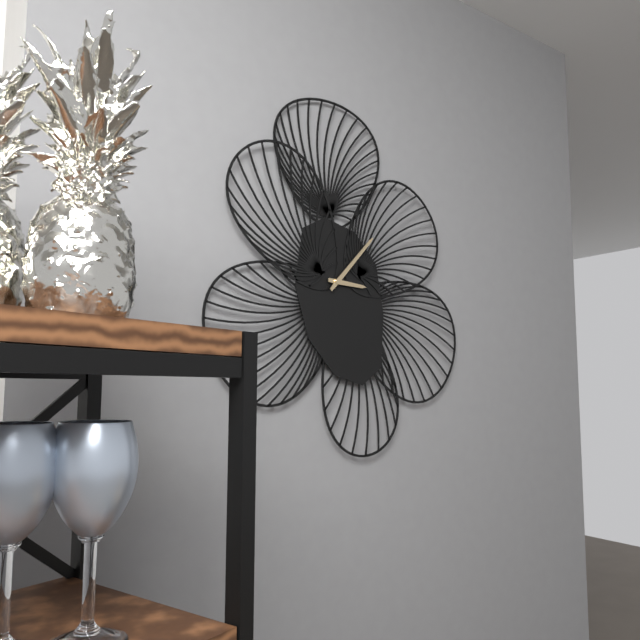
3:07
